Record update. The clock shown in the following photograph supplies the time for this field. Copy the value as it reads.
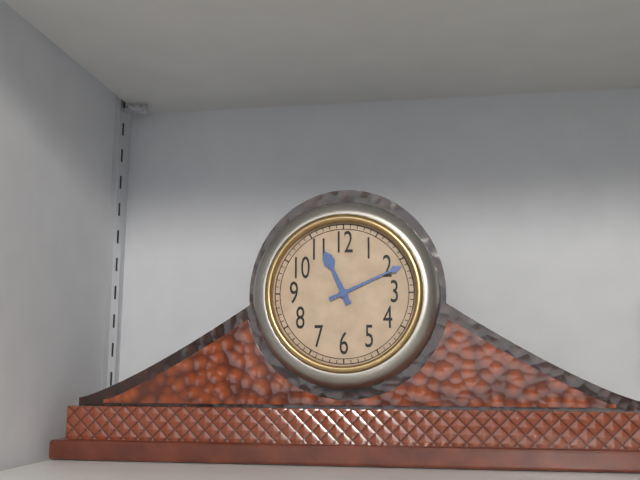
11:11
